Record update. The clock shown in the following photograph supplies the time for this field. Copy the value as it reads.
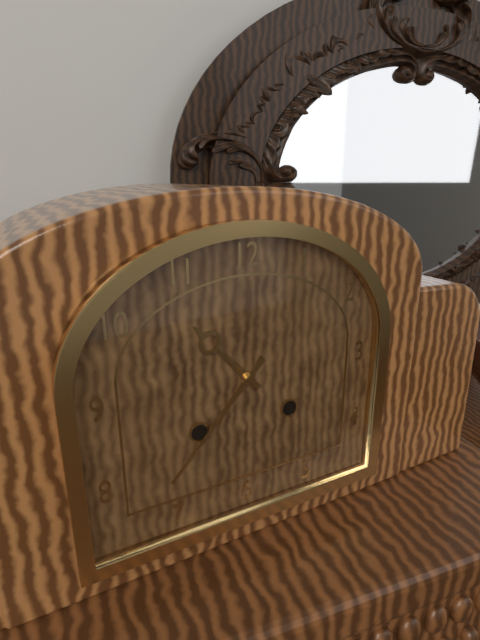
10:37
